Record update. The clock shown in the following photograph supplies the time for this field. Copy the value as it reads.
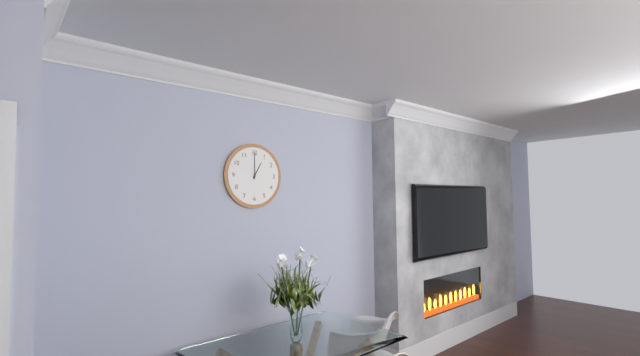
1:00
